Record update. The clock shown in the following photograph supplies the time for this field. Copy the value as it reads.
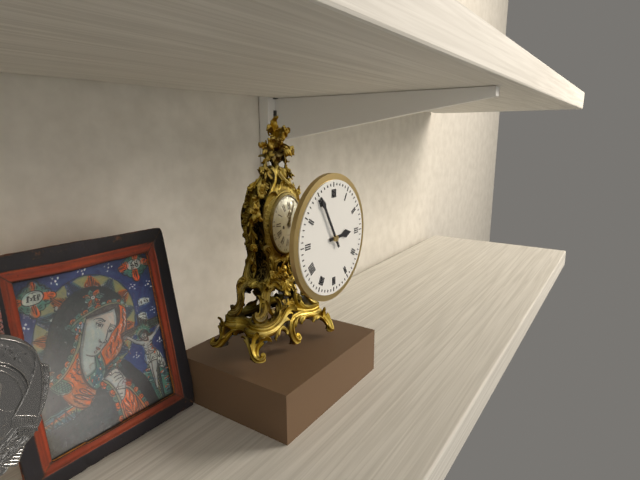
2:55
